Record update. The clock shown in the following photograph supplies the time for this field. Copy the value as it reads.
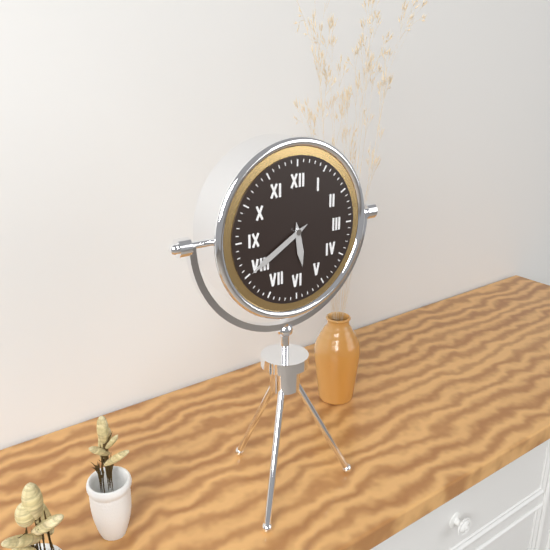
5:40
